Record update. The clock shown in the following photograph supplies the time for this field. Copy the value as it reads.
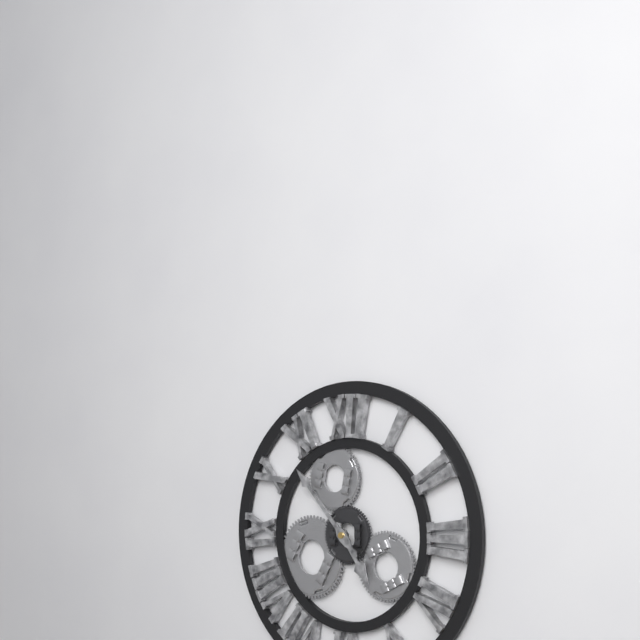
4:53
